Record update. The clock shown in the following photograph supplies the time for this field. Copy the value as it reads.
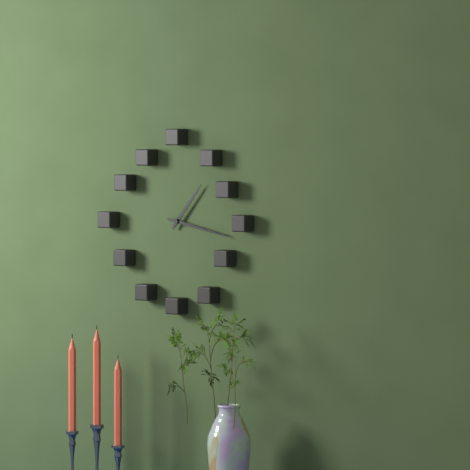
1:17
